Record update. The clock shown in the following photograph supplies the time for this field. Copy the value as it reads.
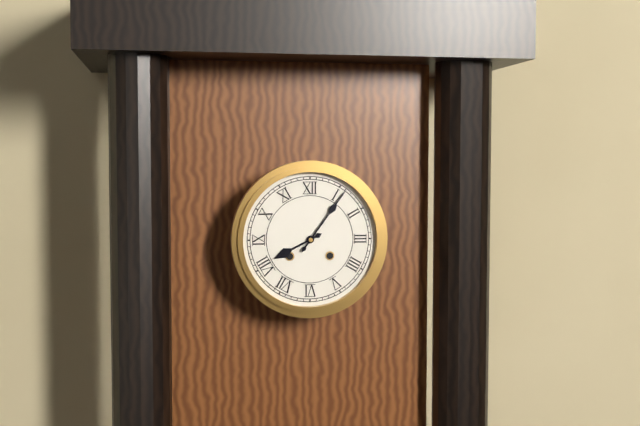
8:06
